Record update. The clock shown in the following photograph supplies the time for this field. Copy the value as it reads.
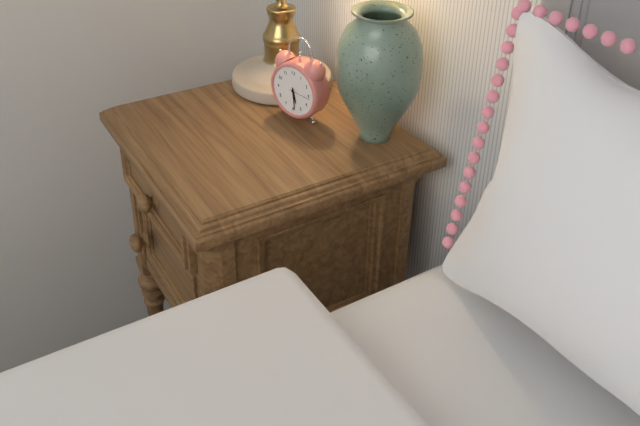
5:29
